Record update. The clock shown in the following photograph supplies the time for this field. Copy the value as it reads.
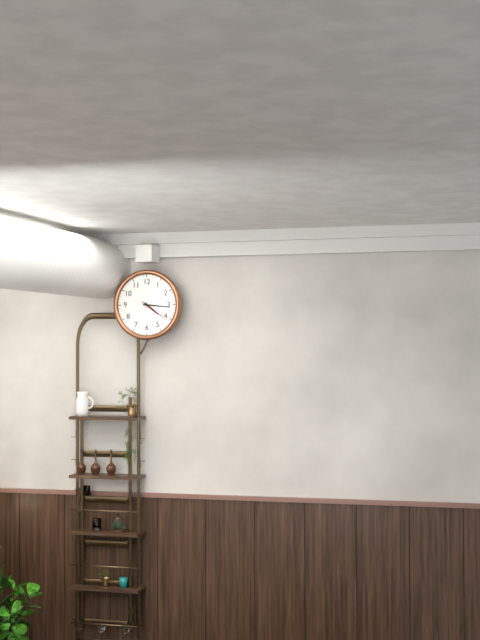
4:16
